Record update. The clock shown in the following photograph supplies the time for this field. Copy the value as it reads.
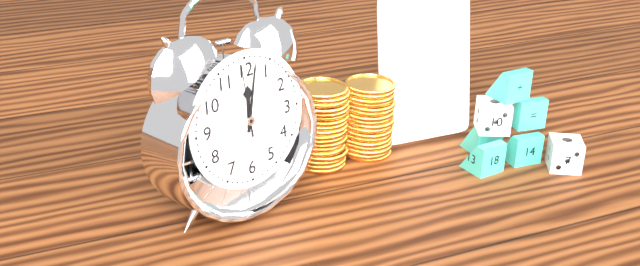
12:02:59
